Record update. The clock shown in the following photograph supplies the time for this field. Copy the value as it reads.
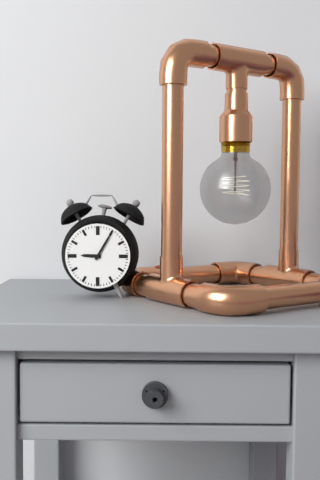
9:05
